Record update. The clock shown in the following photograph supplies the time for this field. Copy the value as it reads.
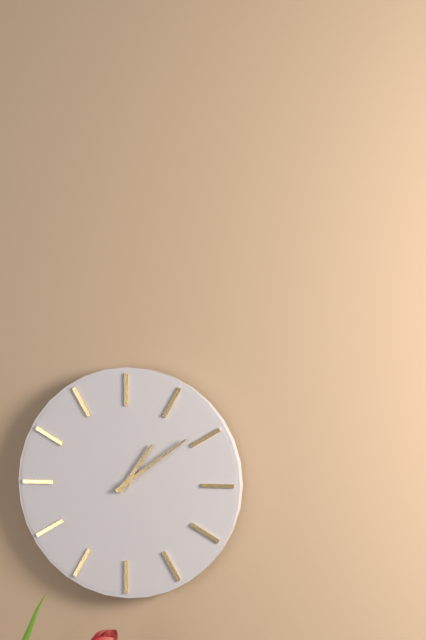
1:09
